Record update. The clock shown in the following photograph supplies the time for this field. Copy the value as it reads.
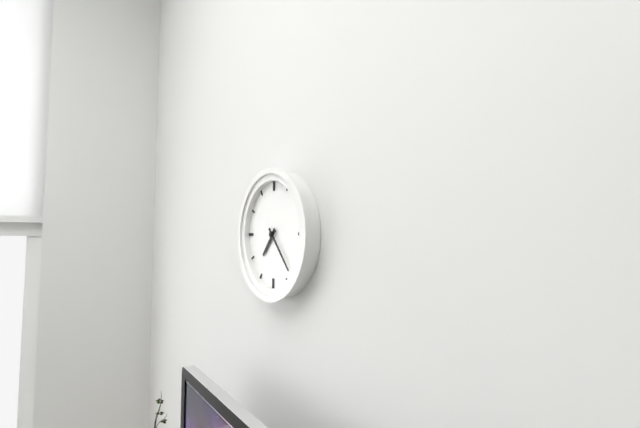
7:23
